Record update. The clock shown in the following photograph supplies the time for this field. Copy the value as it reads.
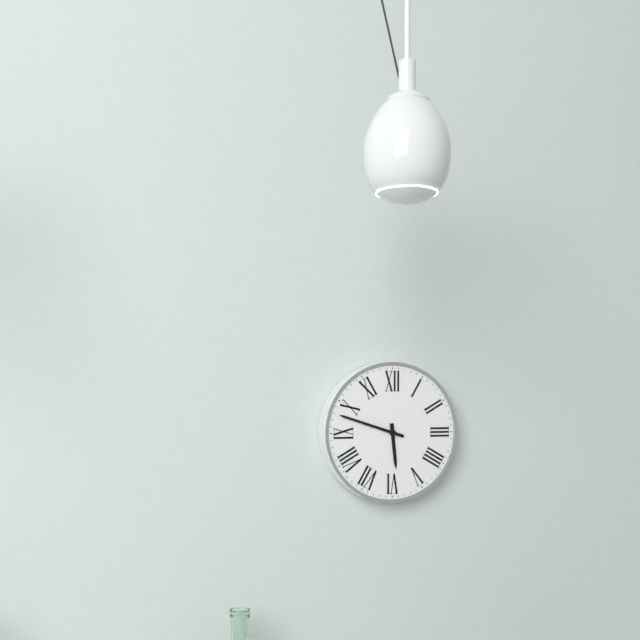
5:48
